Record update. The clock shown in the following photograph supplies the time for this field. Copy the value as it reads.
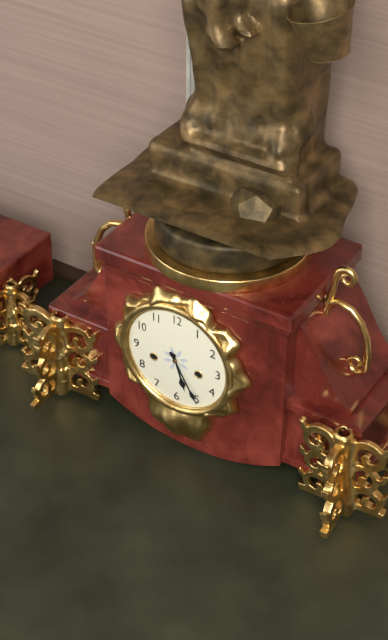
5:25
